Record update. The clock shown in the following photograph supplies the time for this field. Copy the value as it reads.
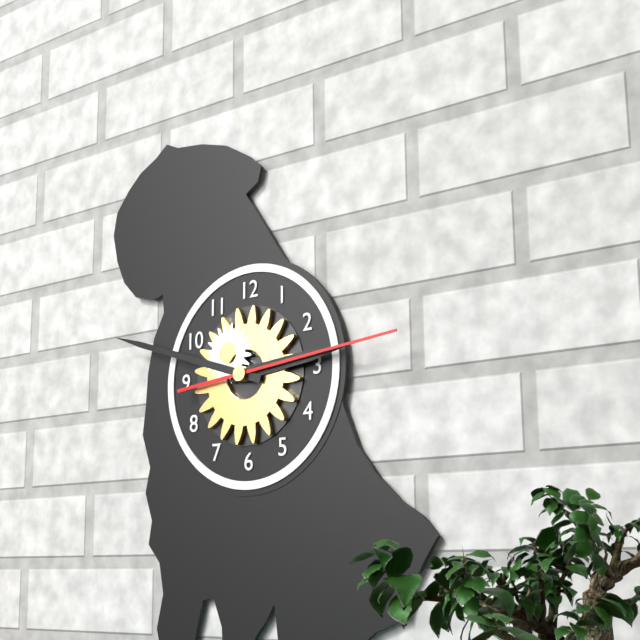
2:48:14
